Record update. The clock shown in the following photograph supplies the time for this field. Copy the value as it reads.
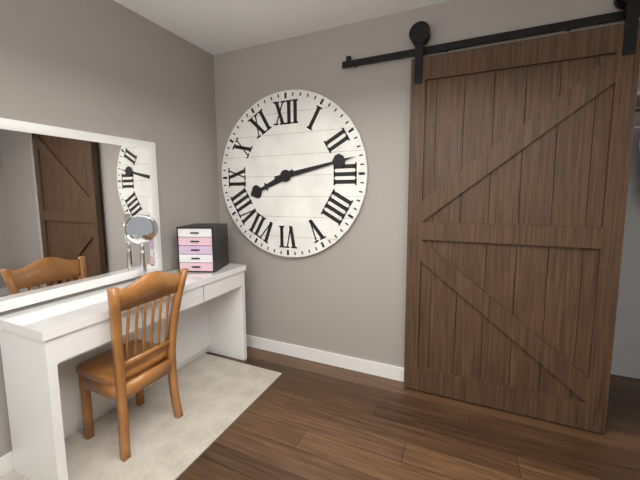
8:13
